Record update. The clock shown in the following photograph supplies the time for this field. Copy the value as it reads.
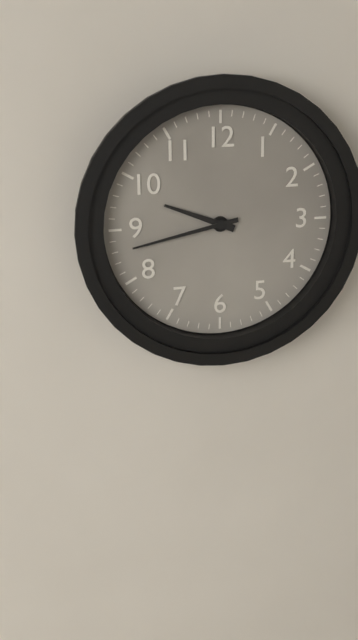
9:43
